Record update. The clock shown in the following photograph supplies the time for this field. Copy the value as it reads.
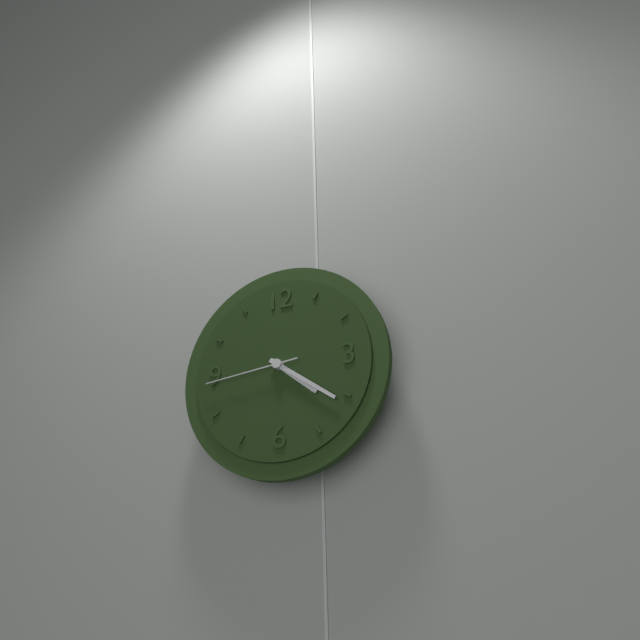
4:21:44
